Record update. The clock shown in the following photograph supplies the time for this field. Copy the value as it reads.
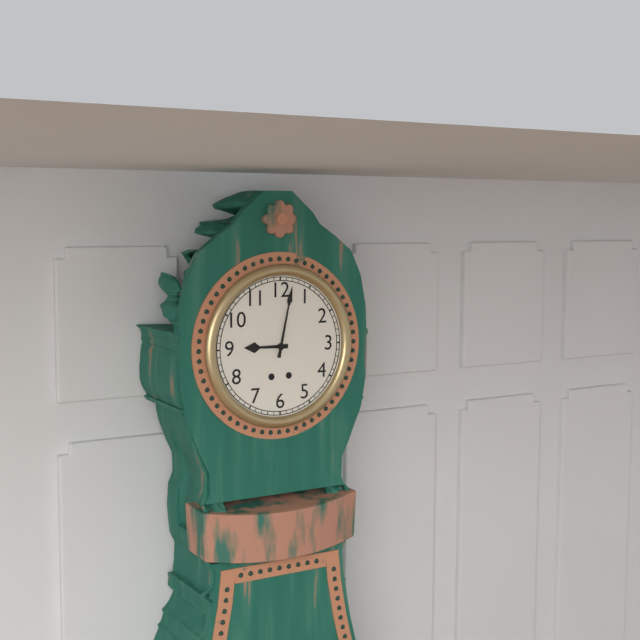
9:02
